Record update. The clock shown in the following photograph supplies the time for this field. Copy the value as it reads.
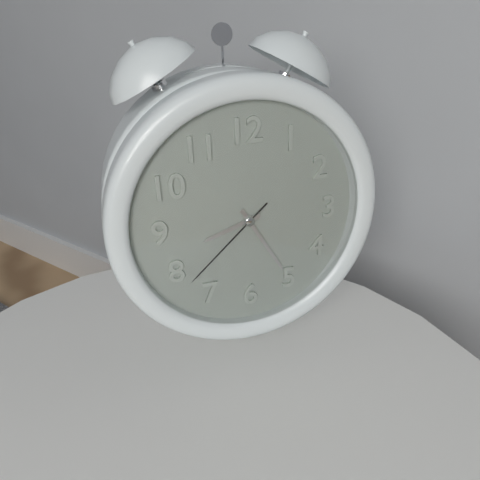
8:25:38
